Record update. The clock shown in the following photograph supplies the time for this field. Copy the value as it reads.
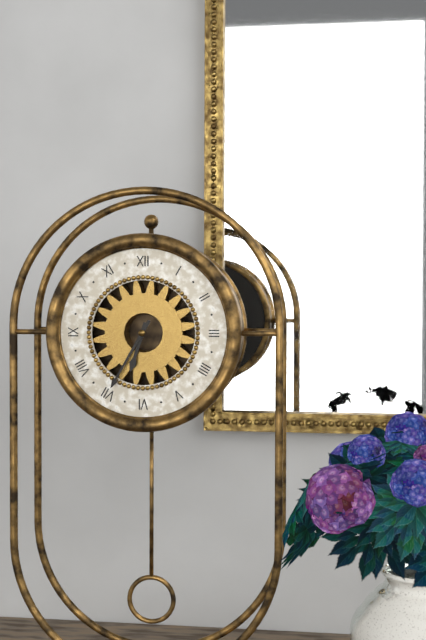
6:35
